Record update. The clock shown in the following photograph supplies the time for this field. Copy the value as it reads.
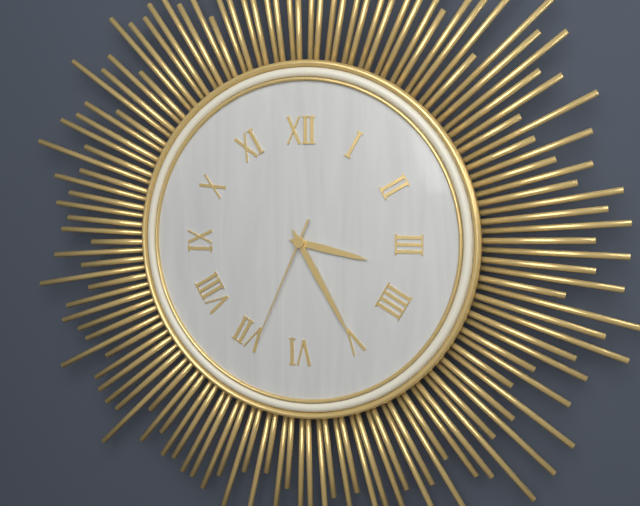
3:25:34
